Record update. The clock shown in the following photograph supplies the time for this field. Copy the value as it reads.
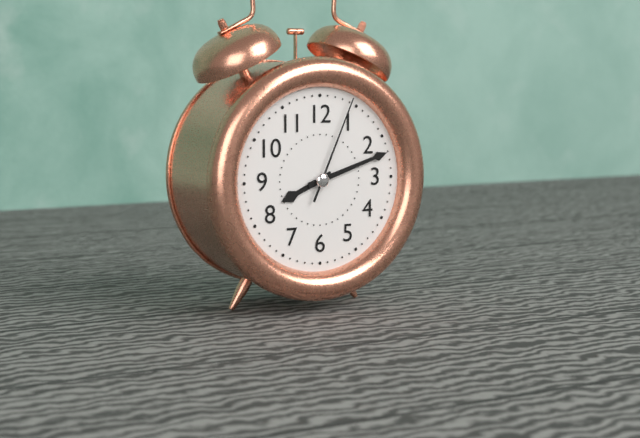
8:12:04
